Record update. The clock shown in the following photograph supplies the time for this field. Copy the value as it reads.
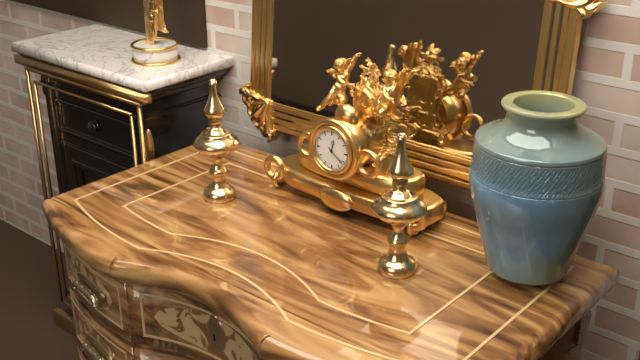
12:21
